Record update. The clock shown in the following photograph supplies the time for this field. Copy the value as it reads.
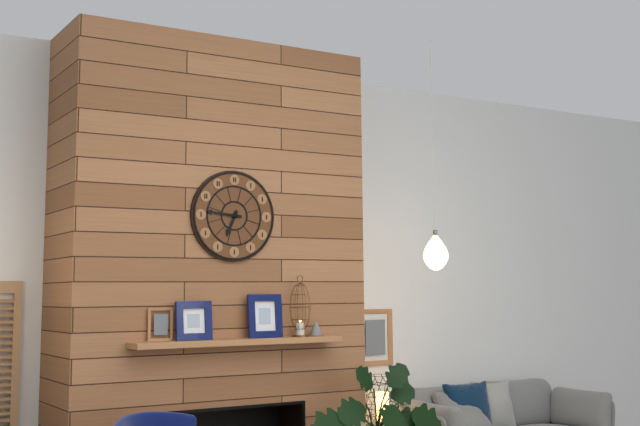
6:46
